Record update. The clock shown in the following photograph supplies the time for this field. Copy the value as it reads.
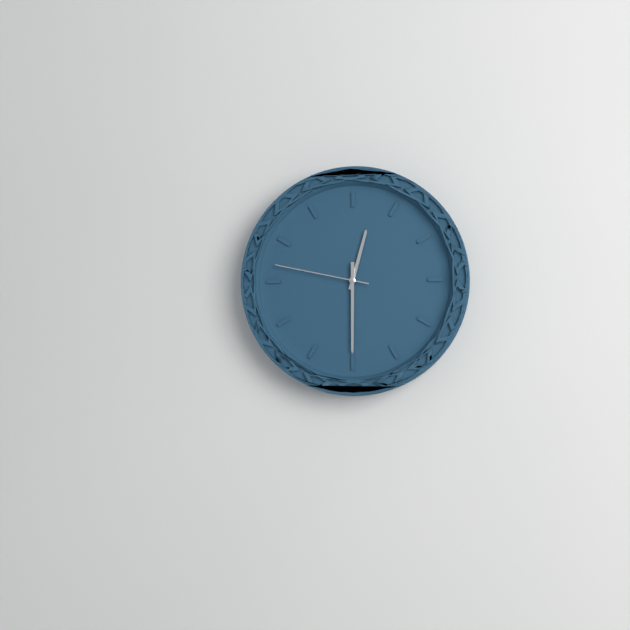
12:30:47
